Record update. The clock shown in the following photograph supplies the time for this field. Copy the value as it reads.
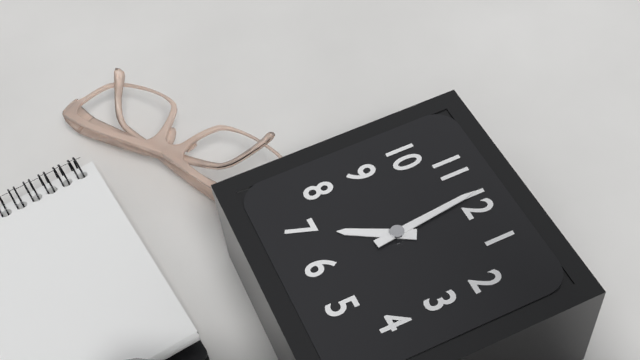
6:59
